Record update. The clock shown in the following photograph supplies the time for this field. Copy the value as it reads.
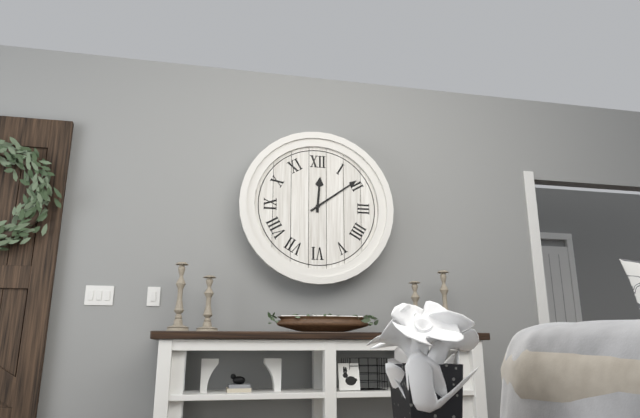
12:09
